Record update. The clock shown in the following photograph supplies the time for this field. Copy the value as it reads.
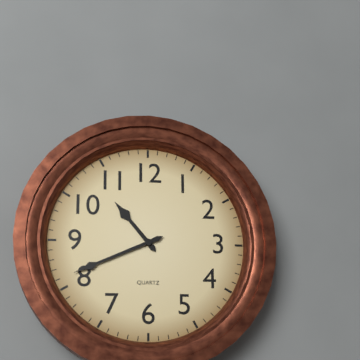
10:41
